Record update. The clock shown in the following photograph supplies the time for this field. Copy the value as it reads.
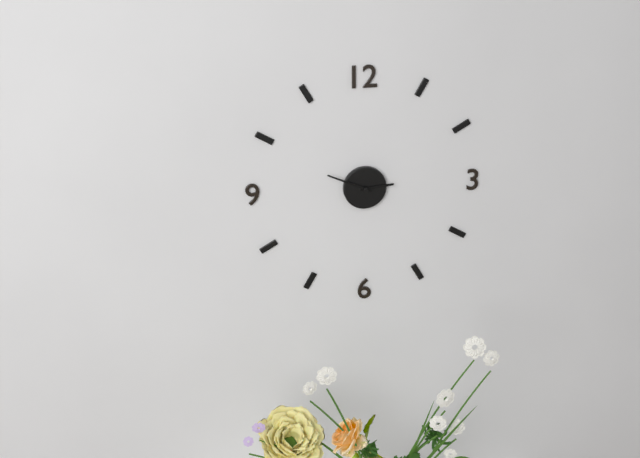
2:49
